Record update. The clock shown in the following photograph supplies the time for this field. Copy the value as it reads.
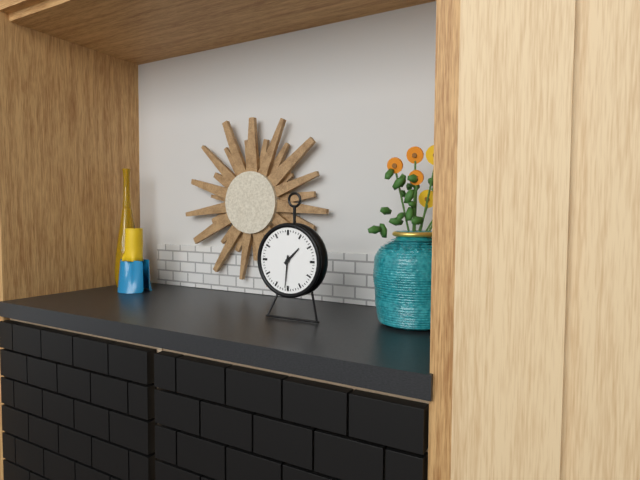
1:31
